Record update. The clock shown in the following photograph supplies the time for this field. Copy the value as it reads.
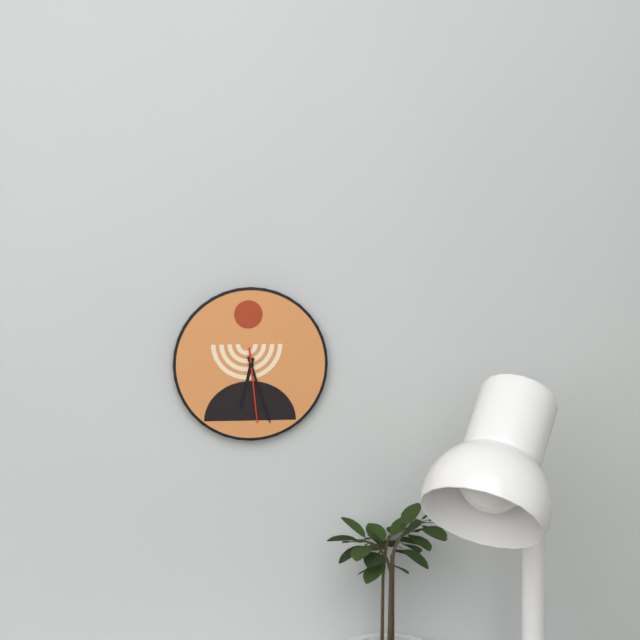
6:27:29
